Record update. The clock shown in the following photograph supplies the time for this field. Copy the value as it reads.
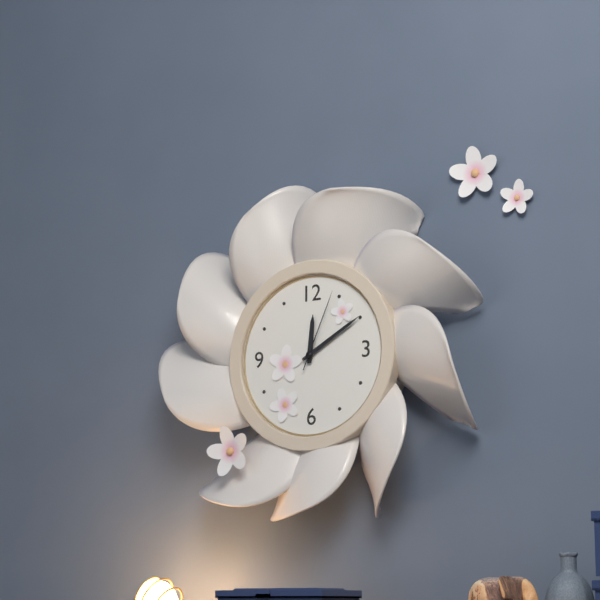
12:10:04
